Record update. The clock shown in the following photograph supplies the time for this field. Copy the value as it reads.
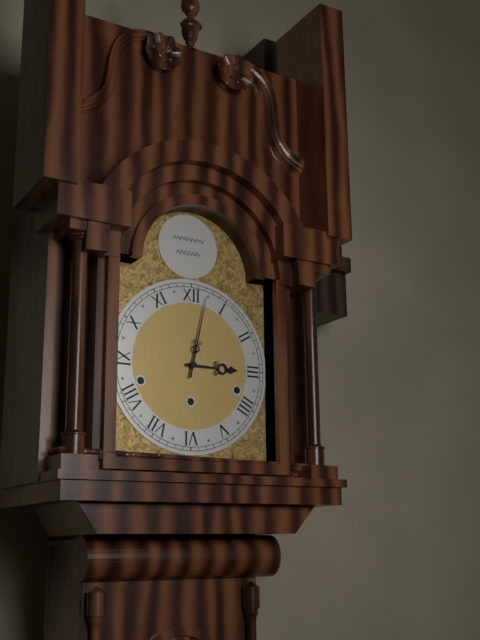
3:02
